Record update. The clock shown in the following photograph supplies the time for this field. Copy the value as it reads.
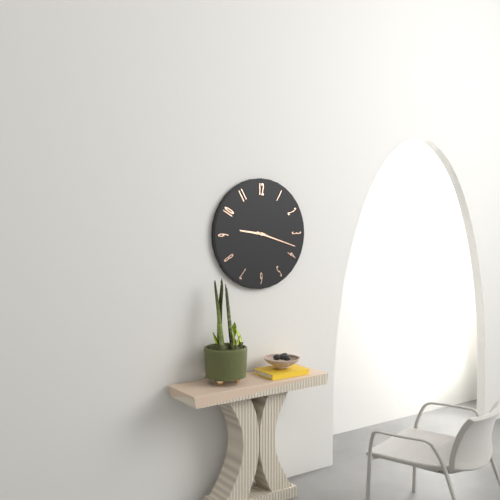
9:18
